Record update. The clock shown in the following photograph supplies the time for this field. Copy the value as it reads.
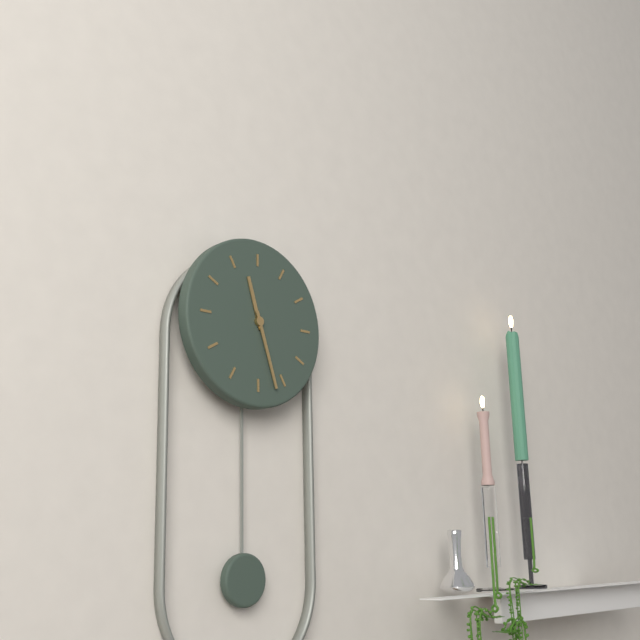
11:27
